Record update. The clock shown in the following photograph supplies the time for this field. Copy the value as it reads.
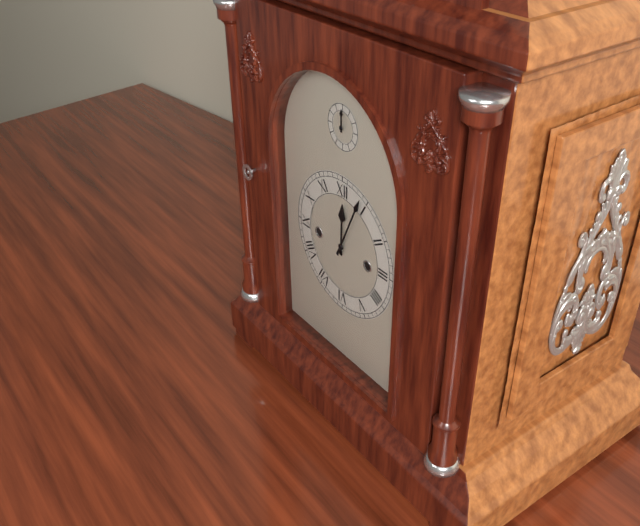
12:04
